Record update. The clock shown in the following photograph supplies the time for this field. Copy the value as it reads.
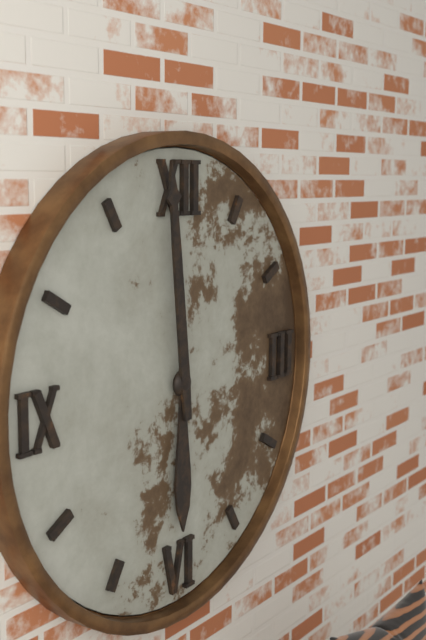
5:59
